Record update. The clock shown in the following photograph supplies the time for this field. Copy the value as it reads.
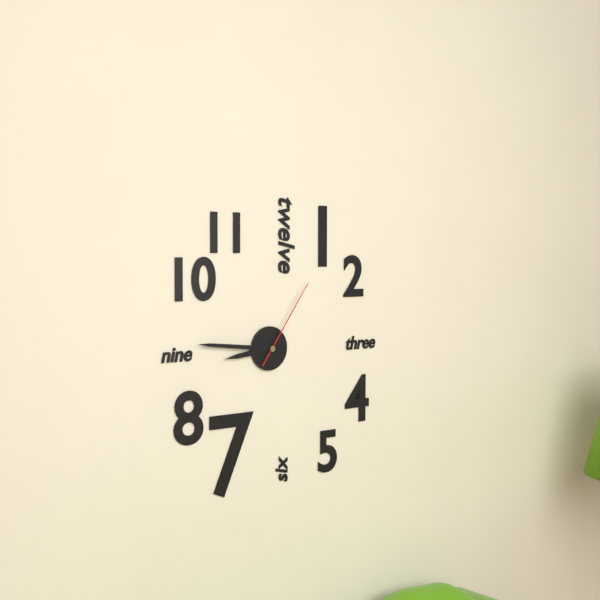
8:46:06
